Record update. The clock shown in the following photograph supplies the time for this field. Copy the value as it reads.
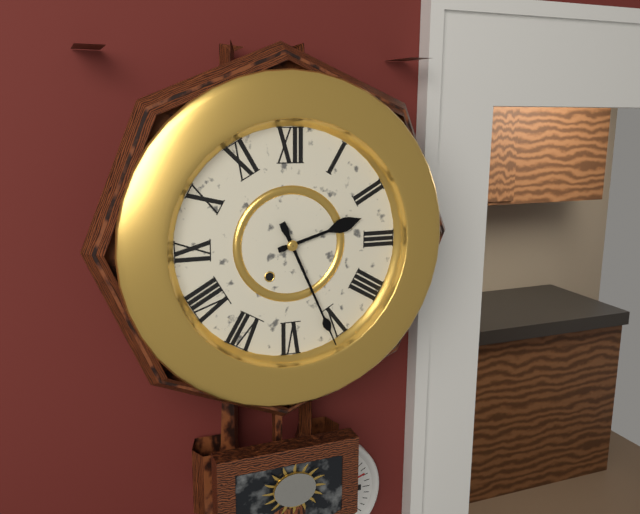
2:26
